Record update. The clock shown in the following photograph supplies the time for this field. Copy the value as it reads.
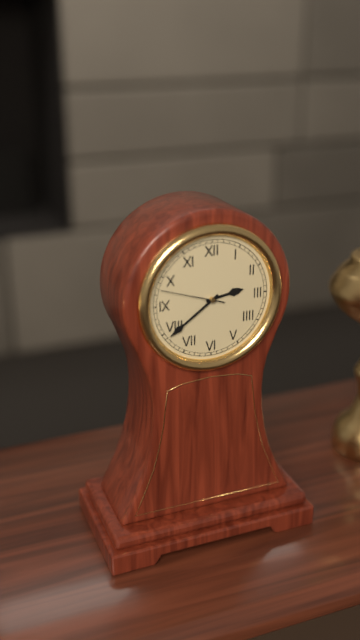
2:39
